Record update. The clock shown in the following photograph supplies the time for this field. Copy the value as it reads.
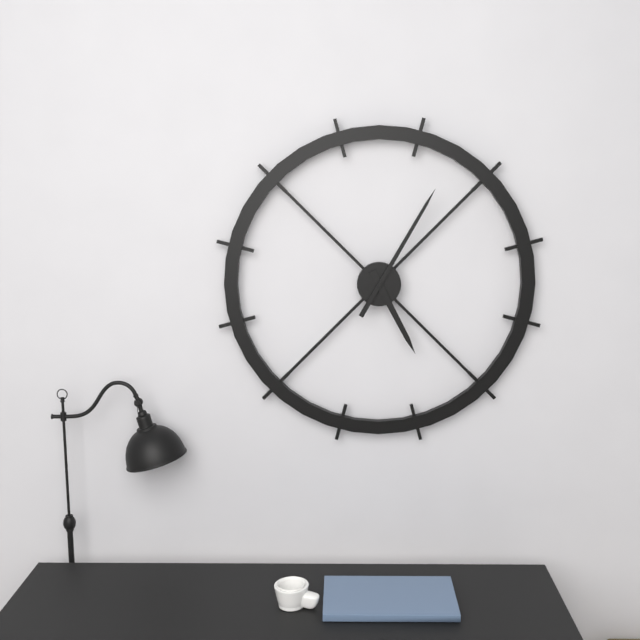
5:05
